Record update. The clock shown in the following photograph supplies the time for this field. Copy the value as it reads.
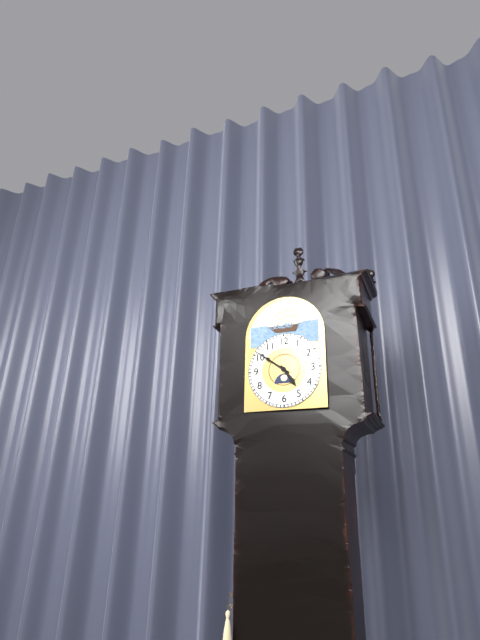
4:51
